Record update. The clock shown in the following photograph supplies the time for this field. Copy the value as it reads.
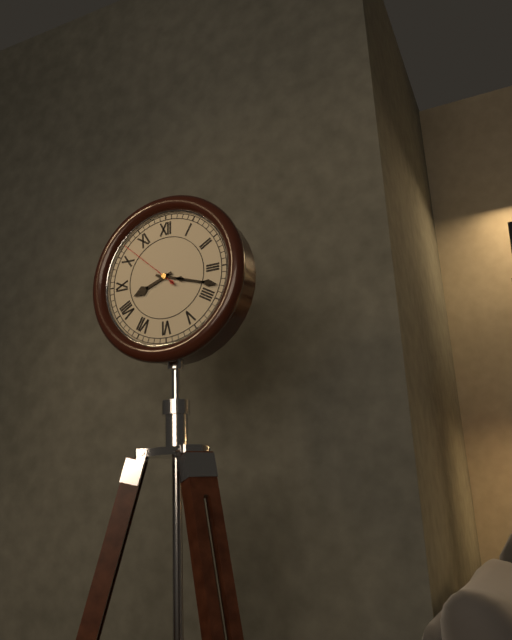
8:18:52
